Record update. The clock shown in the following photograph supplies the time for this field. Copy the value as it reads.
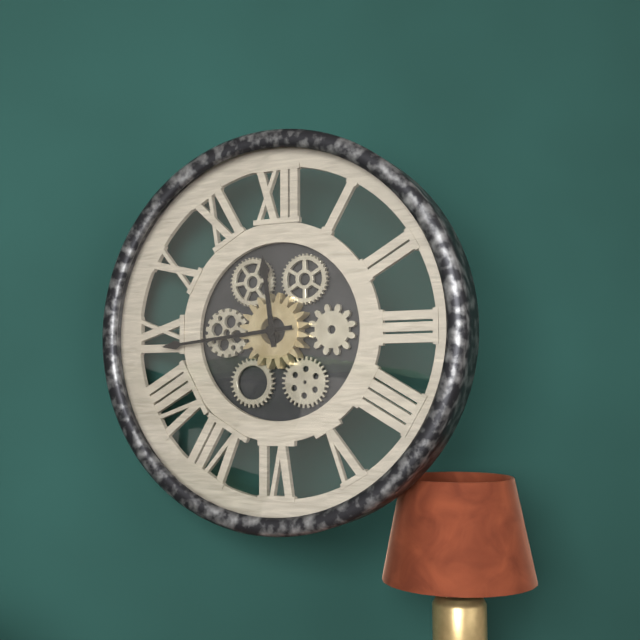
11:44
